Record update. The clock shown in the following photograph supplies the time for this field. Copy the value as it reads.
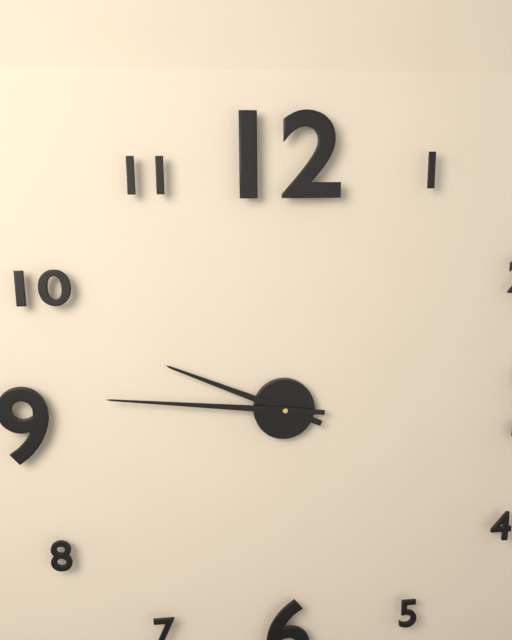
9:46
